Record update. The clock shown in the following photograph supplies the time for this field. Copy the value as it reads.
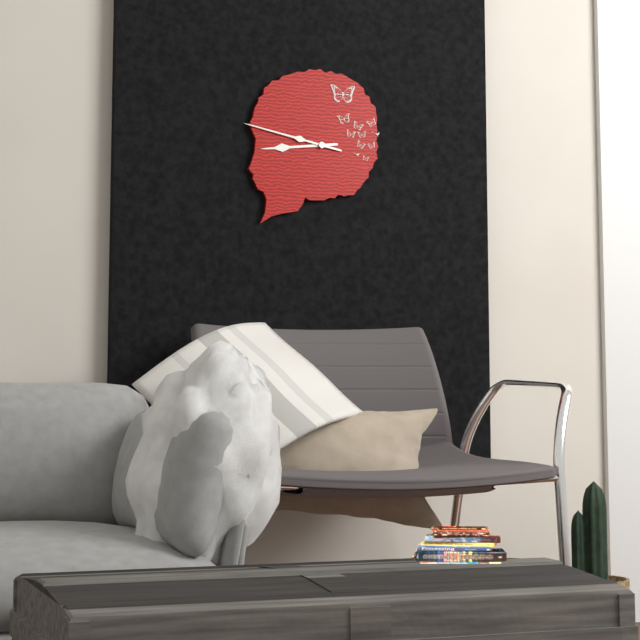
8:47
